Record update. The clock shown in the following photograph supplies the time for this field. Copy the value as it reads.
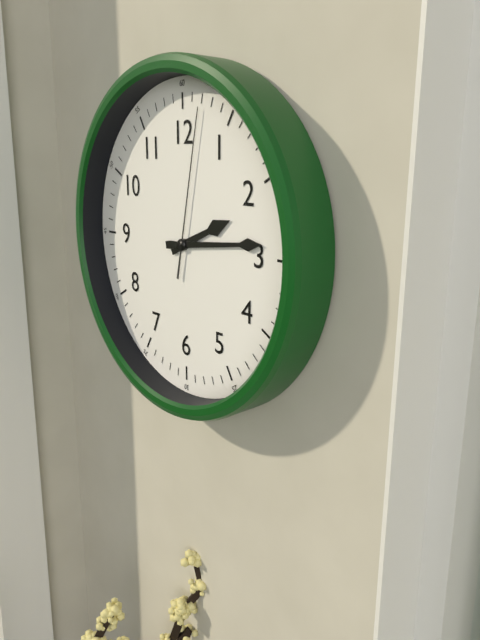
2:14:02
